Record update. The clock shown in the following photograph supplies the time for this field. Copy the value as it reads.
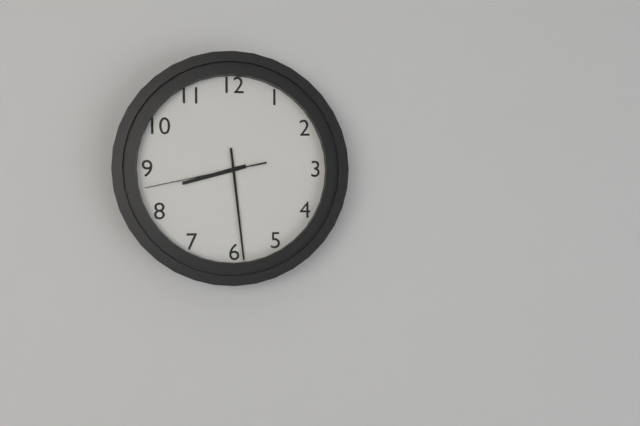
8:29:43
